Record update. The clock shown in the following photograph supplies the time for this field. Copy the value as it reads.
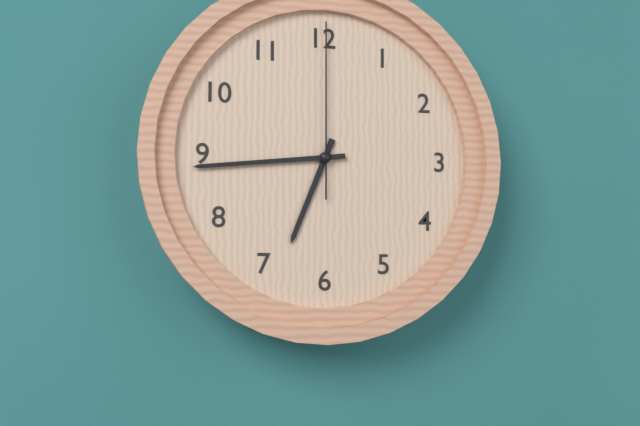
6:44:00
